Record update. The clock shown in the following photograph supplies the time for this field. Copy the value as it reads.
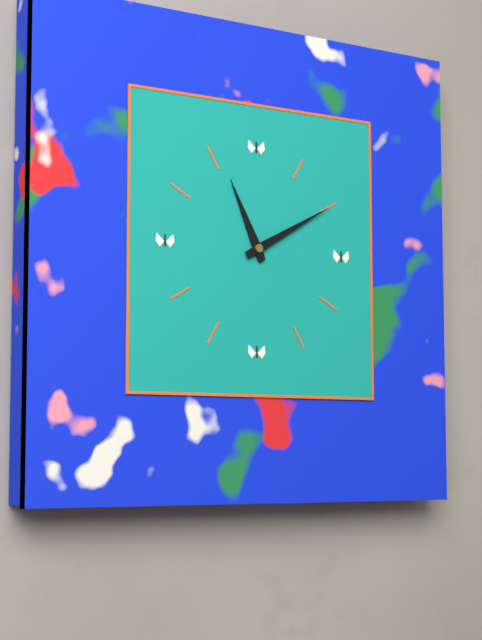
11:10
